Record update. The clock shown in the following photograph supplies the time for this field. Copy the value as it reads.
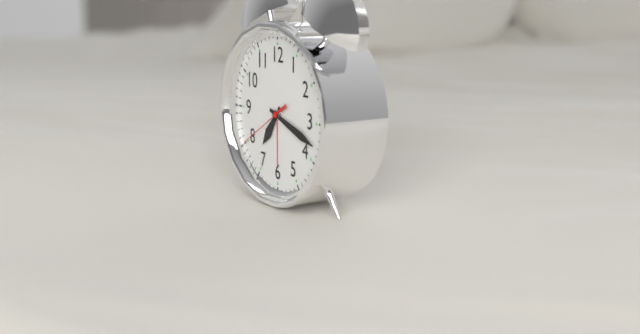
7:18:40
